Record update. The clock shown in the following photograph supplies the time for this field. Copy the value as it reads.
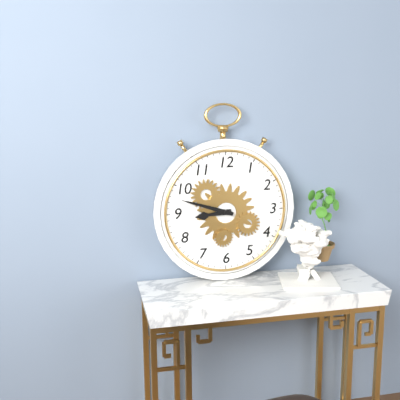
8:48
